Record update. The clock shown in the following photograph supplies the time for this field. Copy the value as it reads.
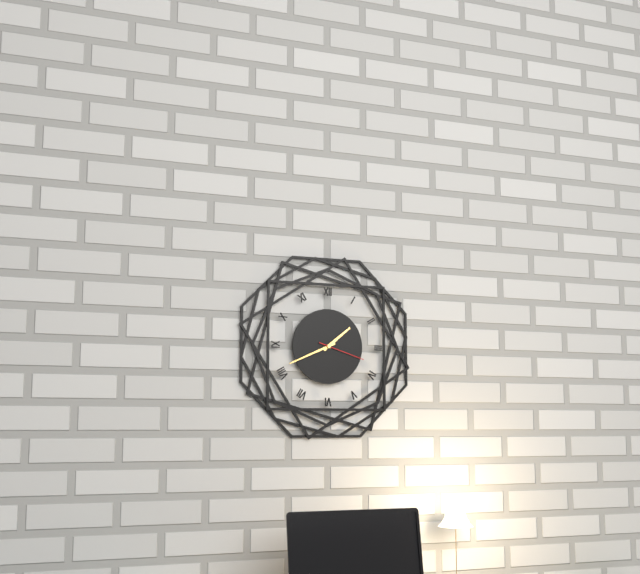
1:41
